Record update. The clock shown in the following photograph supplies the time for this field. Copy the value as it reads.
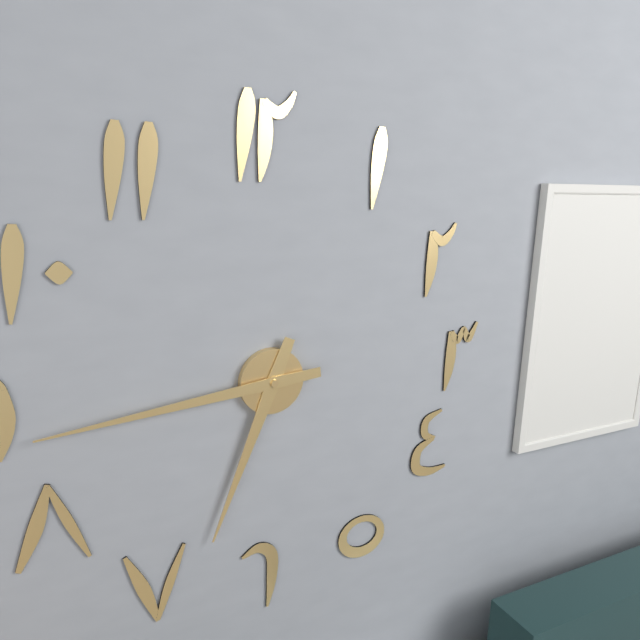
6:44
